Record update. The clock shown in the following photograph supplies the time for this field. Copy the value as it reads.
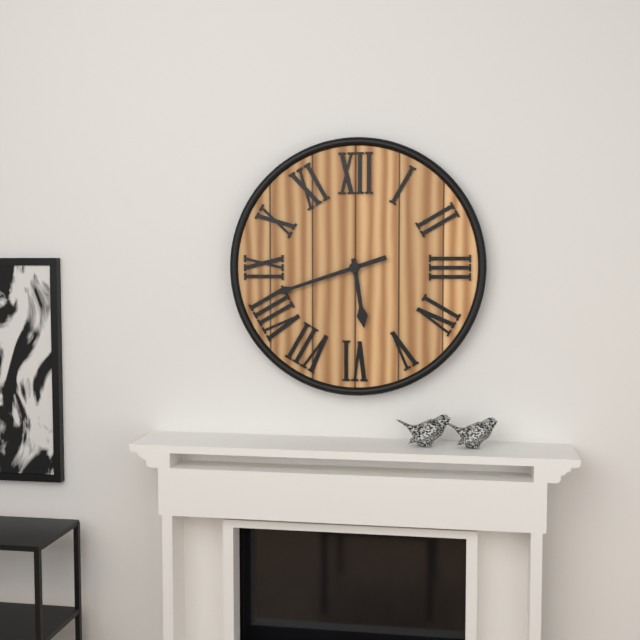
5:42
